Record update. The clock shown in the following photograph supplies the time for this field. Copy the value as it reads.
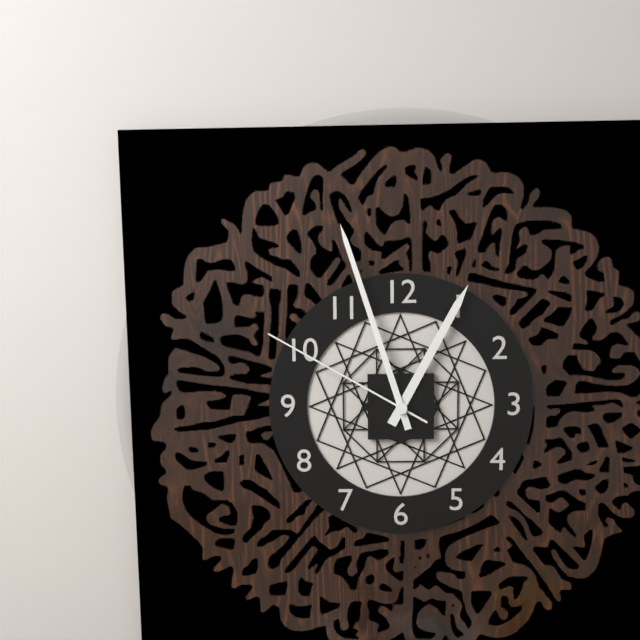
12:57:50
